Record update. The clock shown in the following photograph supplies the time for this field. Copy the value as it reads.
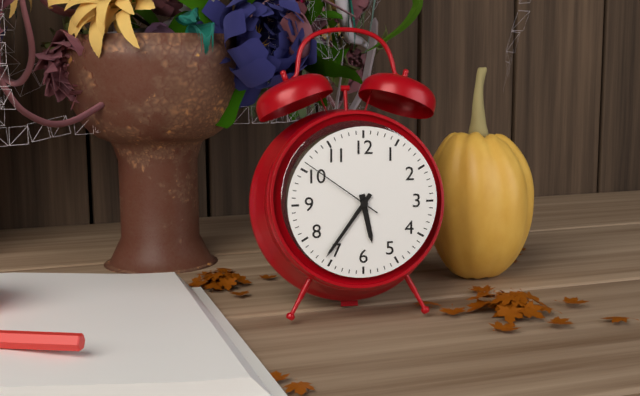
5:36:51
